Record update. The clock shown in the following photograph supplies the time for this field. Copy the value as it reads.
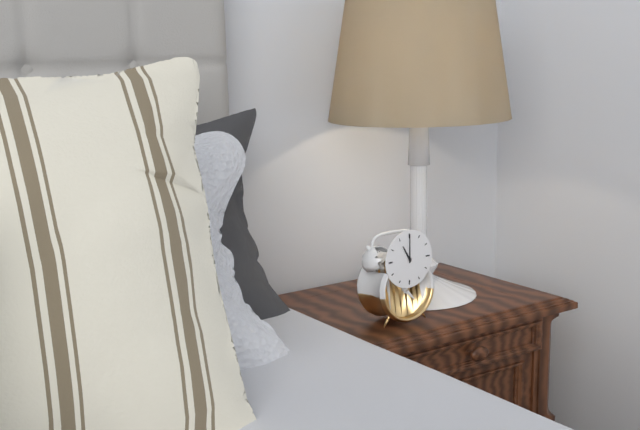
11:00
